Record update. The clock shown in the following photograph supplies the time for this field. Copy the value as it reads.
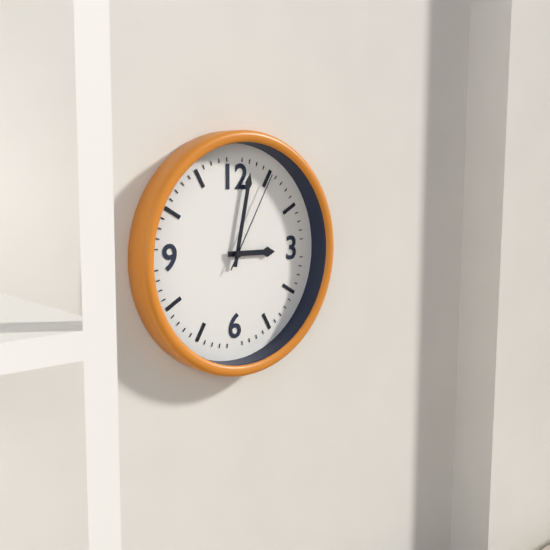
3:02:05
